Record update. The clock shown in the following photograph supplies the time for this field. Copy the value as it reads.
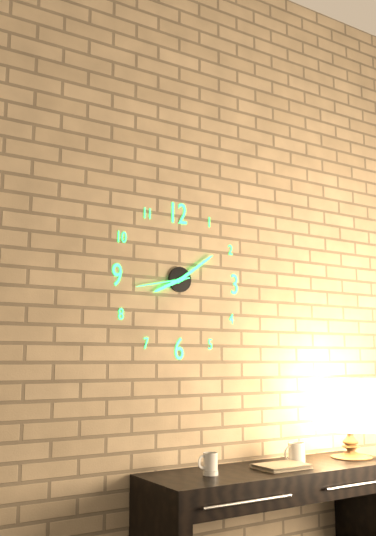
8:09:43
